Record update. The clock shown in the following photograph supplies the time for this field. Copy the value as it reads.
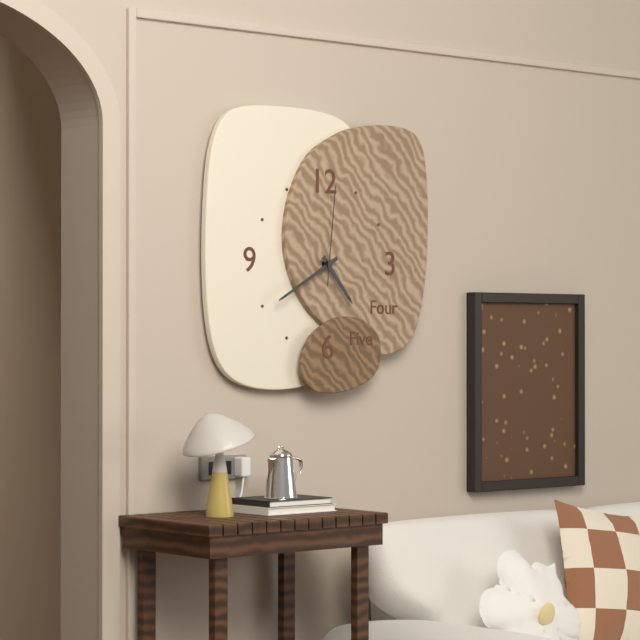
4:40:01
